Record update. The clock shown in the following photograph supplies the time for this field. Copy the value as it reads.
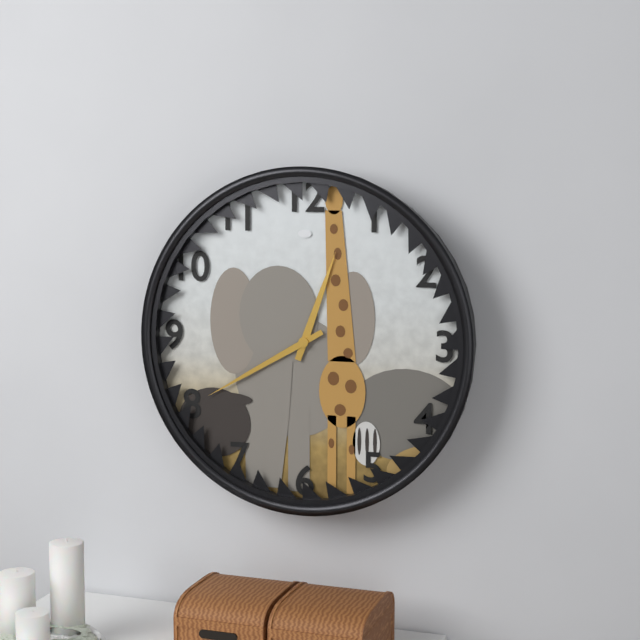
12:40
